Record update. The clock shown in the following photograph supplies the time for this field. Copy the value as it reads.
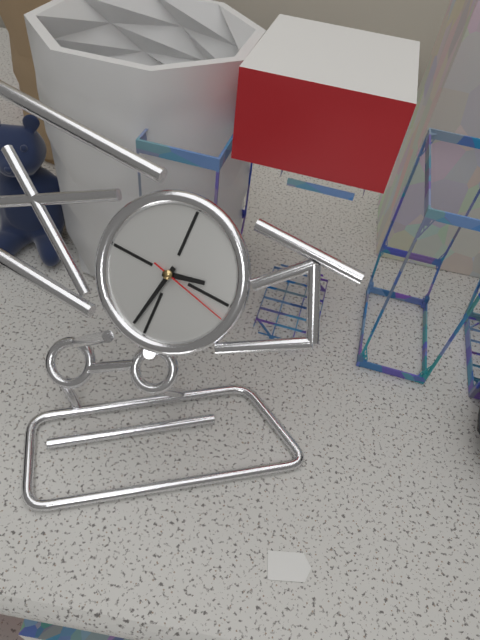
2:32:17
